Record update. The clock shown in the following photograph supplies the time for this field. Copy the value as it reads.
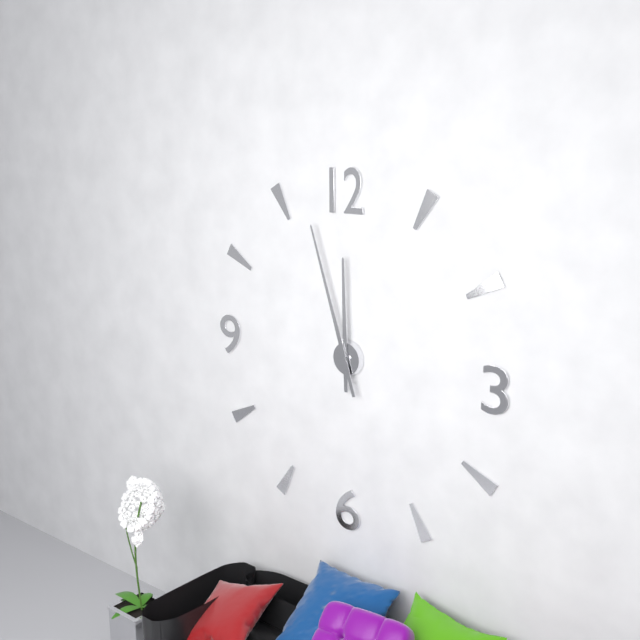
11:57
